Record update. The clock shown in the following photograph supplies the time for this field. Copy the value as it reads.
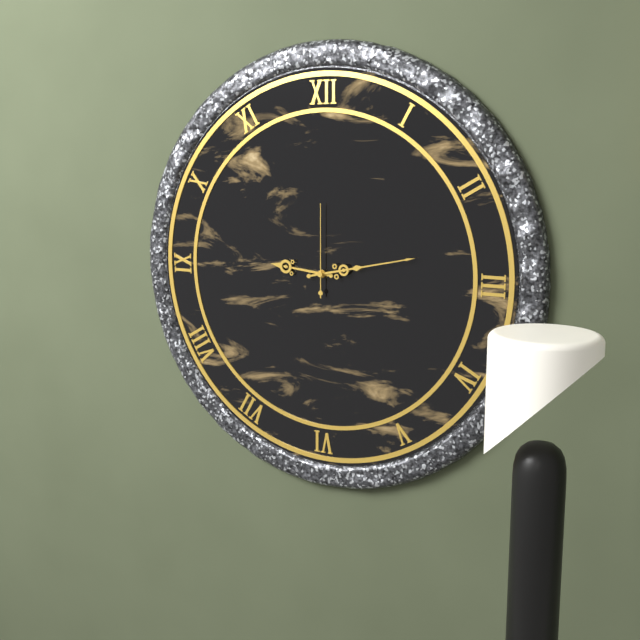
9:13:00
